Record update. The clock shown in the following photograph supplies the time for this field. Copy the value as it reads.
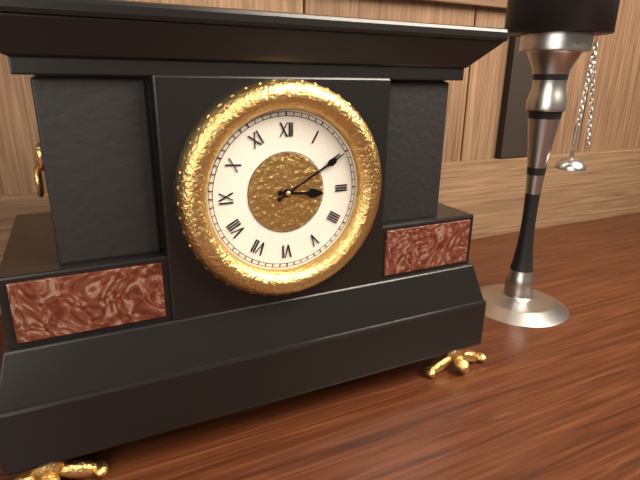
3:10
